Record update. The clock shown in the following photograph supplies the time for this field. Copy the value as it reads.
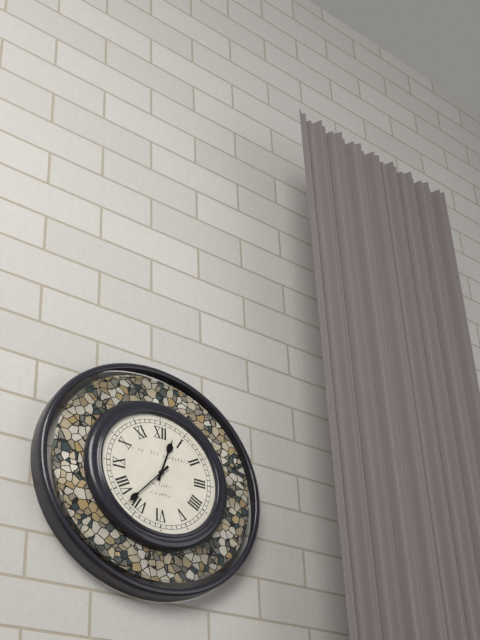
12:37
